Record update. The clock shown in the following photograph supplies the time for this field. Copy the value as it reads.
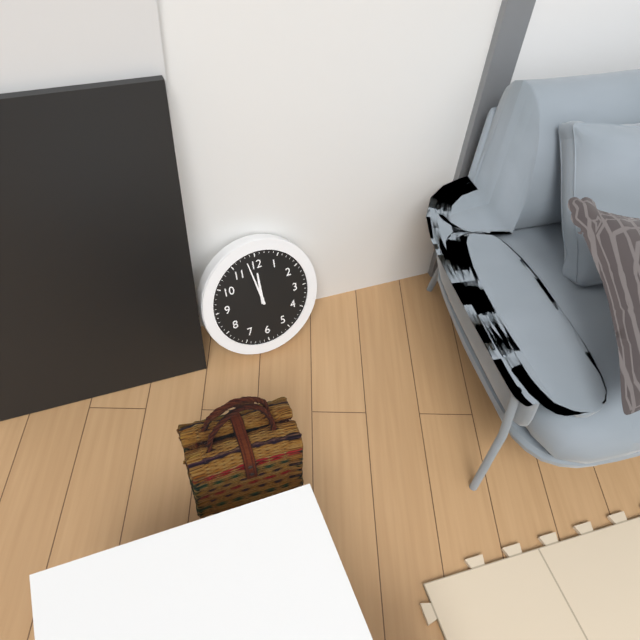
11:58
